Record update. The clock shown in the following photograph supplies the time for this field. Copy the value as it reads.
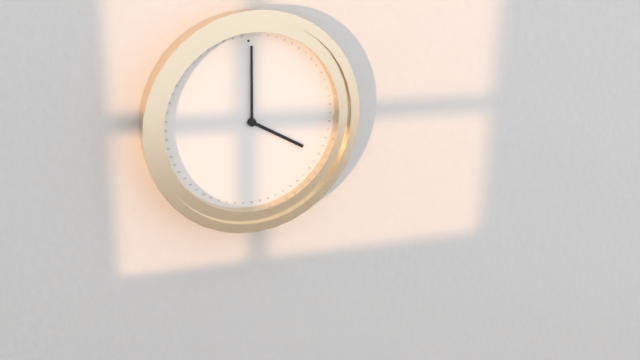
4:00
